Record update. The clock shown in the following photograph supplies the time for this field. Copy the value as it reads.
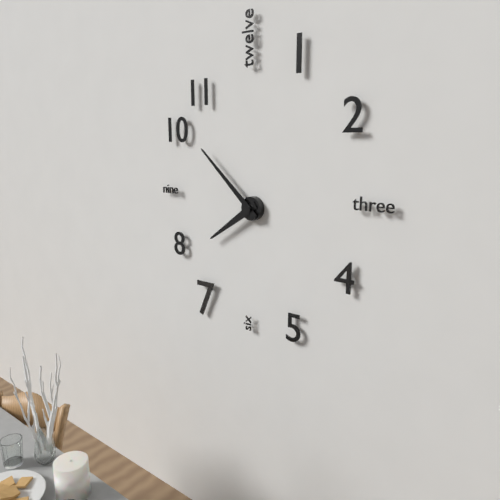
7:52
